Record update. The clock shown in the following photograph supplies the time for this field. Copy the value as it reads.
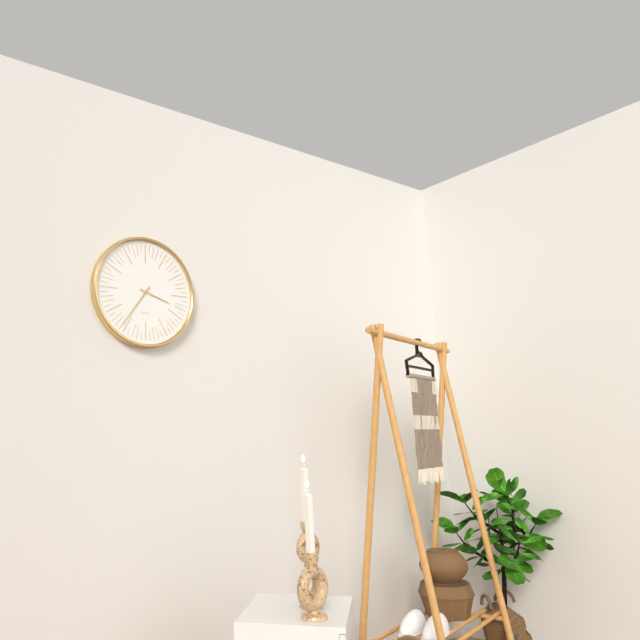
3:36
